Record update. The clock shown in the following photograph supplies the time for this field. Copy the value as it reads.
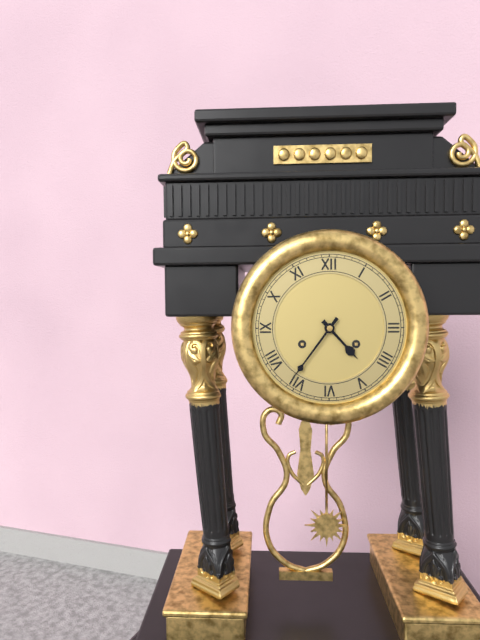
4:36
